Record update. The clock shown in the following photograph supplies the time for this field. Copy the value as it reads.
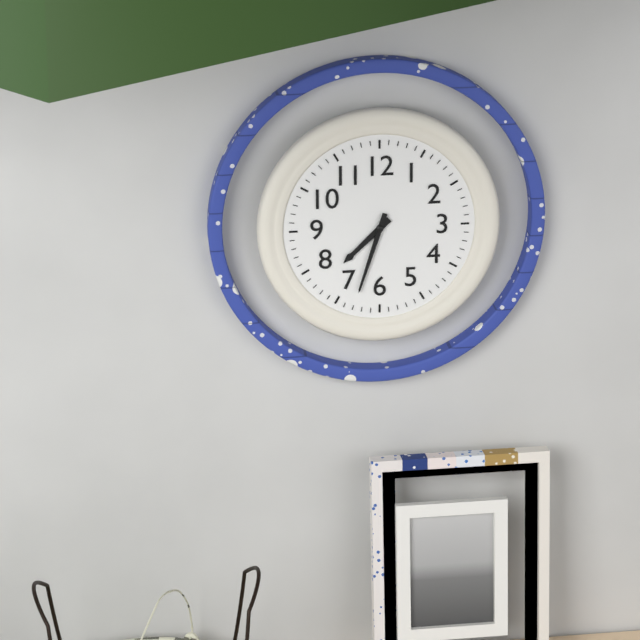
7:33
